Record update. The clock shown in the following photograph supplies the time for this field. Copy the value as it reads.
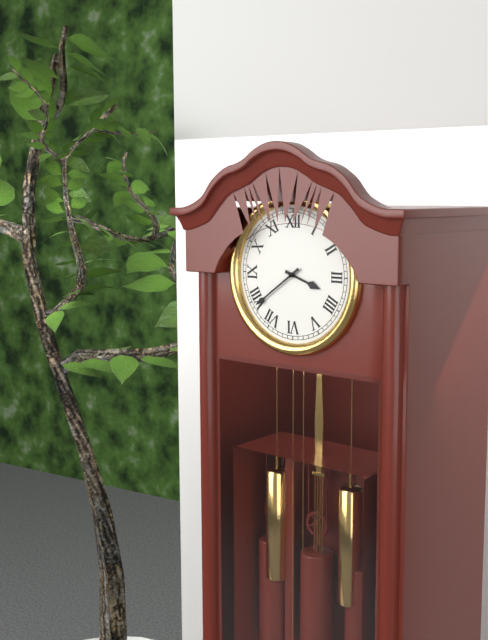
3:39
